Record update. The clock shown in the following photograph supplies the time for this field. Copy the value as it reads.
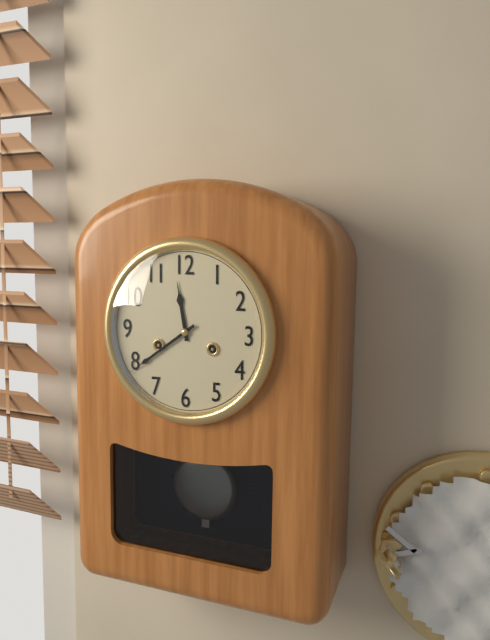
11:39
